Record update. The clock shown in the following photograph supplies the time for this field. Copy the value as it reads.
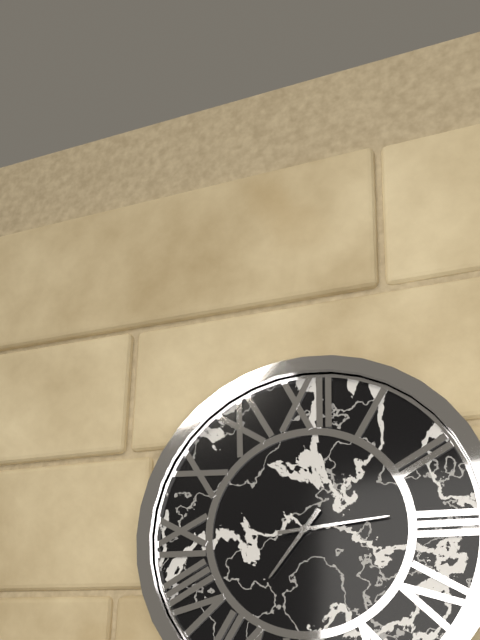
7:14
